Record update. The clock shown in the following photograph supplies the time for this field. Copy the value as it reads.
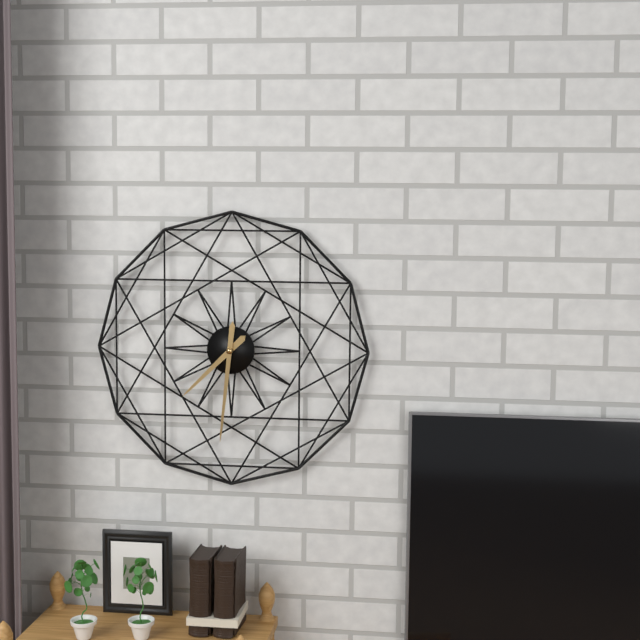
7:31
